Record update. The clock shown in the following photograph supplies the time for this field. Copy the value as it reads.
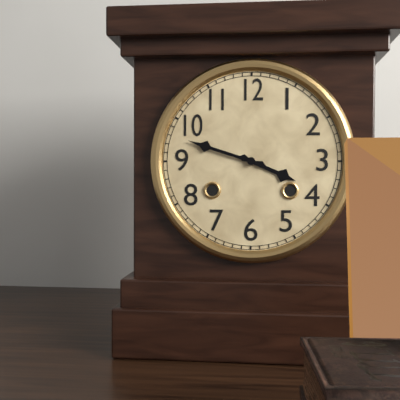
3:48
